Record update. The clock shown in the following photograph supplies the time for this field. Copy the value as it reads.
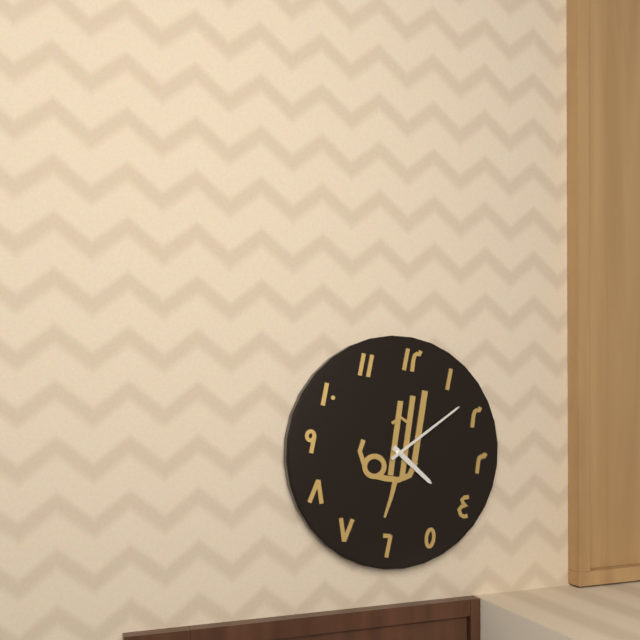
4:08
